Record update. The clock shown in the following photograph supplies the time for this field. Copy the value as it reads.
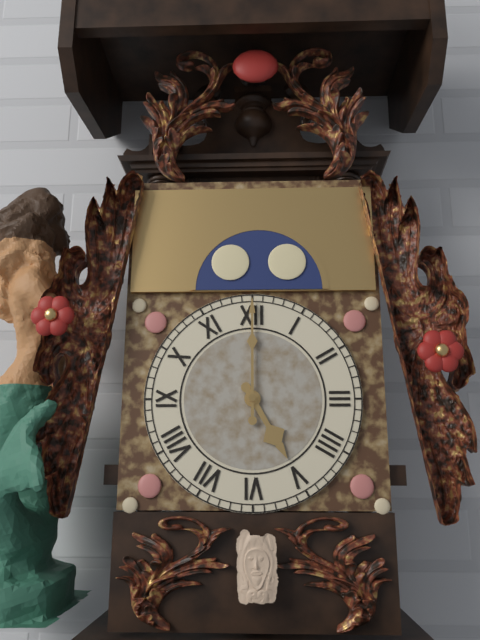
5:00
